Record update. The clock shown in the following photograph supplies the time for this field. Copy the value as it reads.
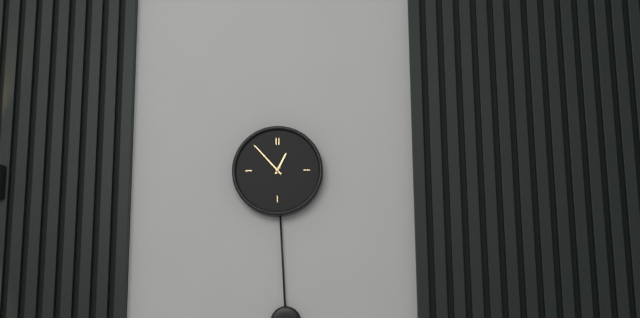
12:53
